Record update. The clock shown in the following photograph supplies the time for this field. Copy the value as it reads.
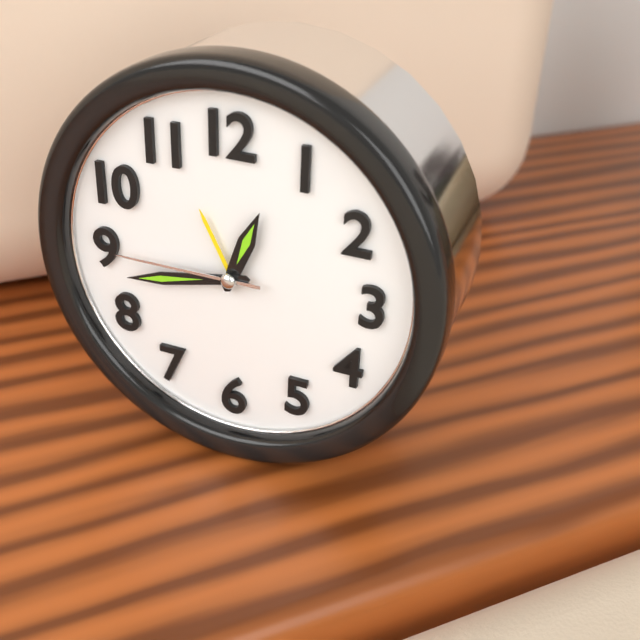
12:43:45
